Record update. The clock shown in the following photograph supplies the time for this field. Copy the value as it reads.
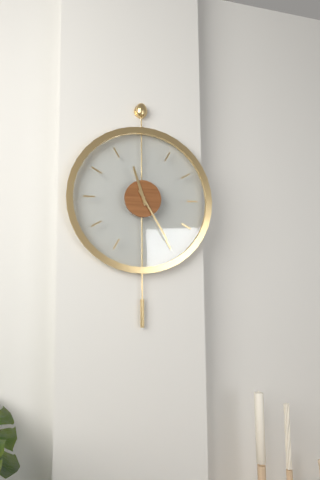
11:25
